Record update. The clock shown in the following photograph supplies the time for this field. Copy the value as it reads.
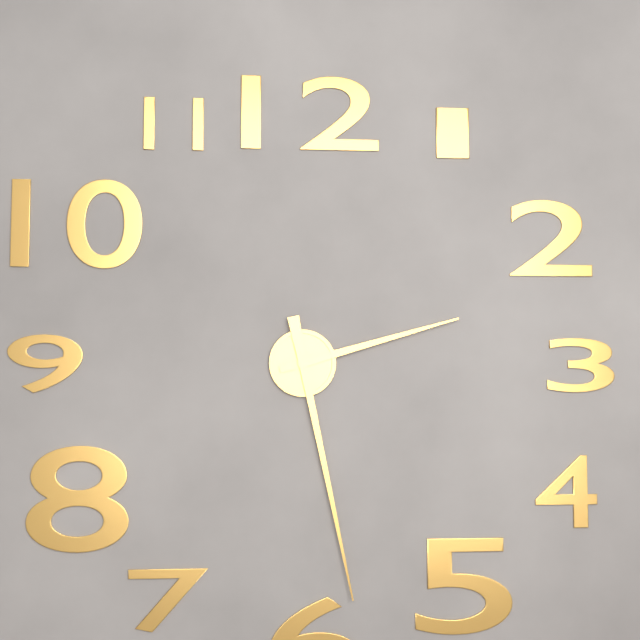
2:28
